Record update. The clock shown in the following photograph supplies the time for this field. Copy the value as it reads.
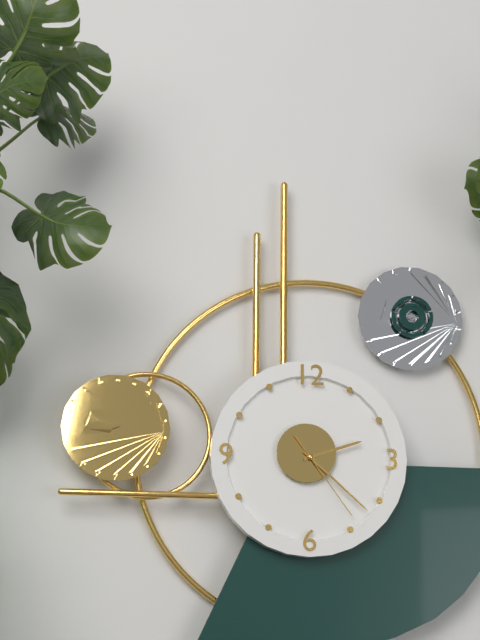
2:22:24
